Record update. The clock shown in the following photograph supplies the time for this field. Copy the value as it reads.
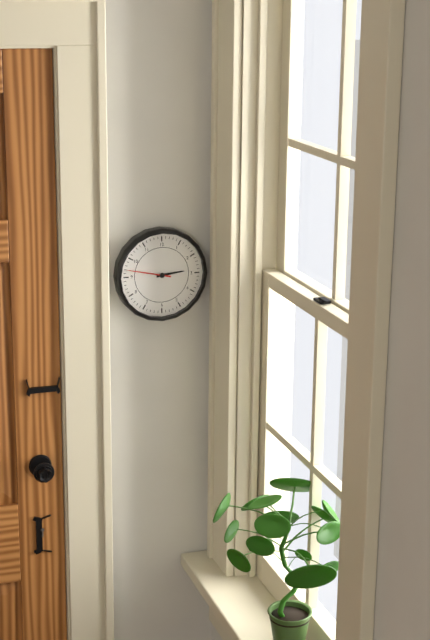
2:47
